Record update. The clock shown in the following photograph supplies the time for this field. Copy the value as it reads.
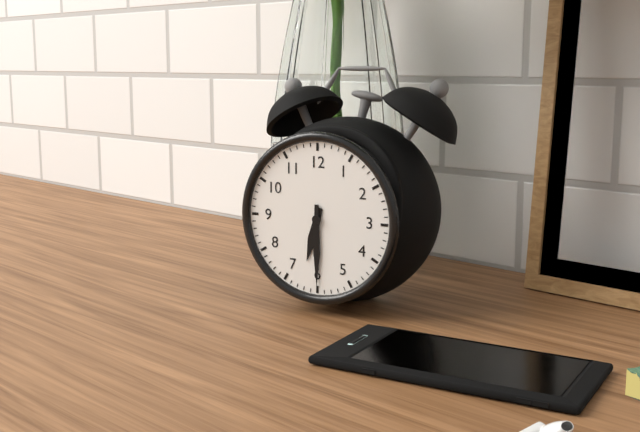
6:30
